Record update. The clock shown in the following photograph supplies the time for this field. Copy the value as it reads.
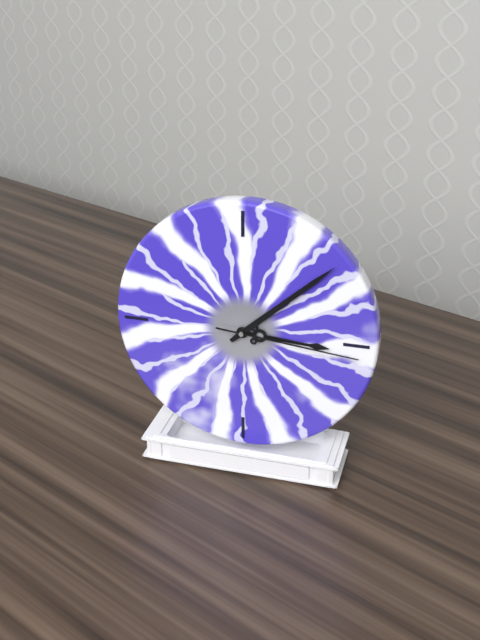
3:08:16
